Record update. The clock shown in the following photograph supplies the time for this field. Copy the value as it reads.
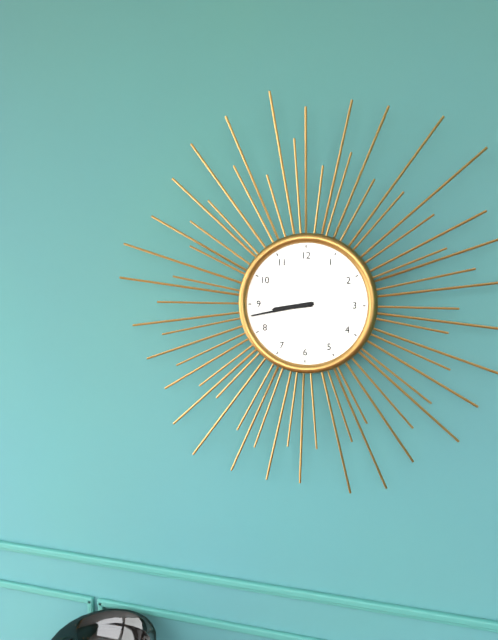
8:43
